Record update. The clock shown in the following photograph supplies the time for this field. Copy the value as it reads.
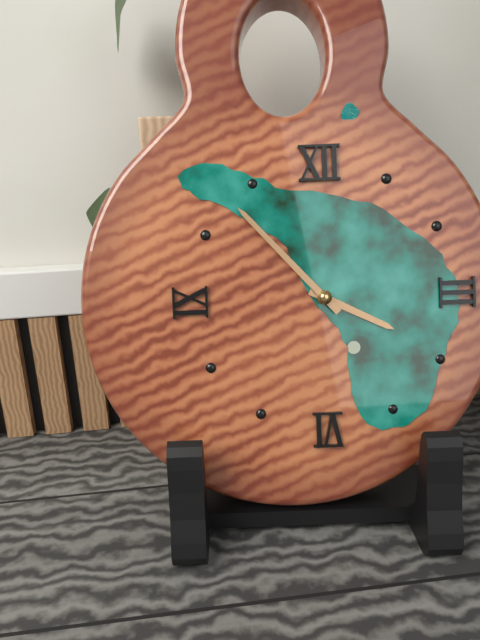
3:53
